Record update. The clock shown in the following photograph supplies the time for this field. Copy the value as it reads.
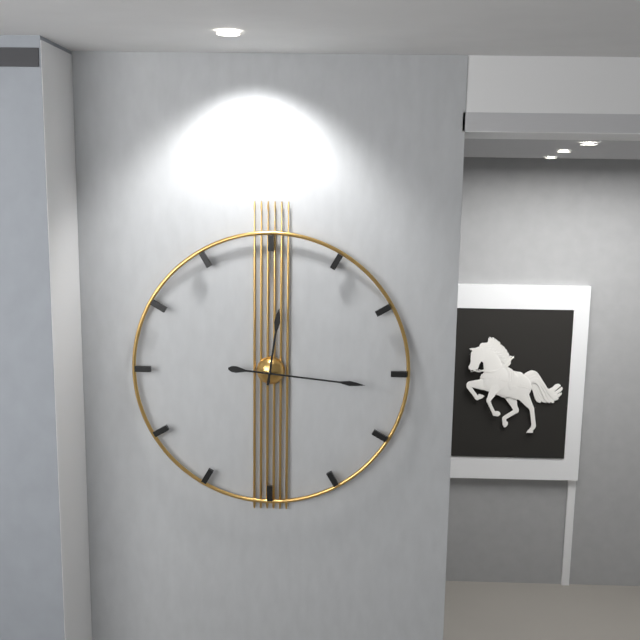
12:16
